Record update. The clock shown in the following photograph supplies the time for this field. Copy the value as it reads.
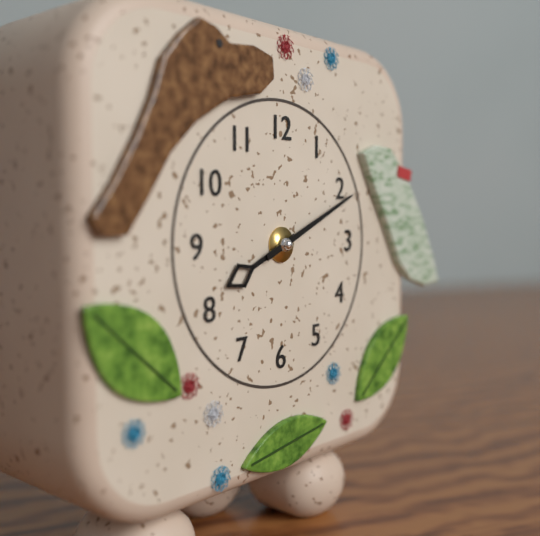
8:11
